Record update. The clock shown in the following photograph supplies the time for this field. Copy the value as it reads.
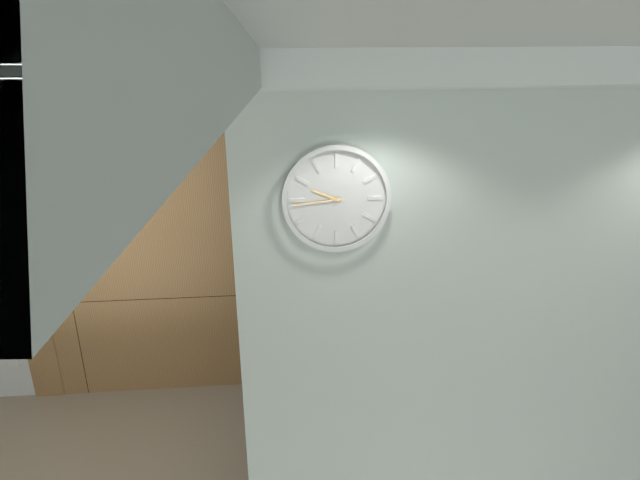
9:44
